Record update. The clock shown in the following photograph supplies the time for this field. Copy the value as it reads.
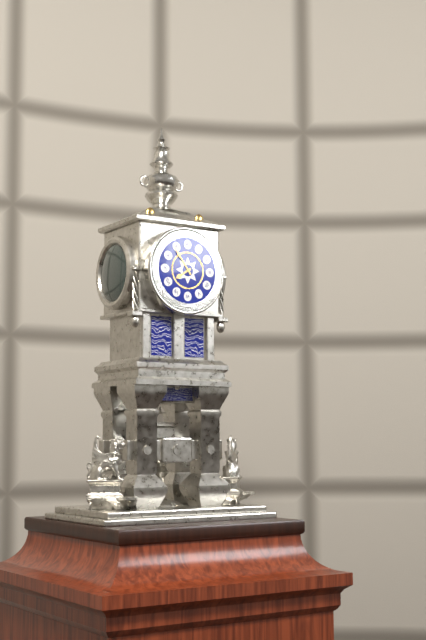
7:54
